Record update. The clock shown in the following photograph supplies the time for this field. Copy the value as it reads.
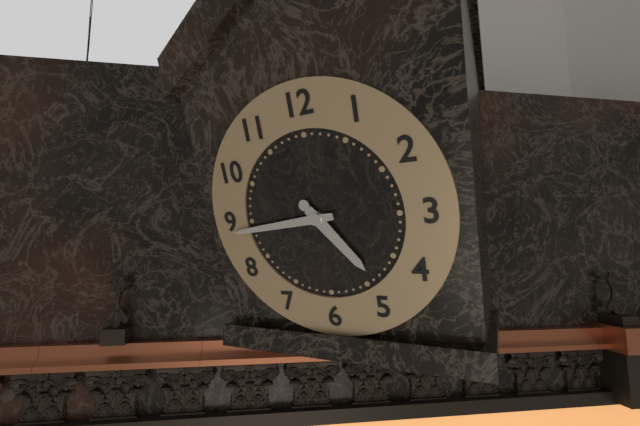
4:44
